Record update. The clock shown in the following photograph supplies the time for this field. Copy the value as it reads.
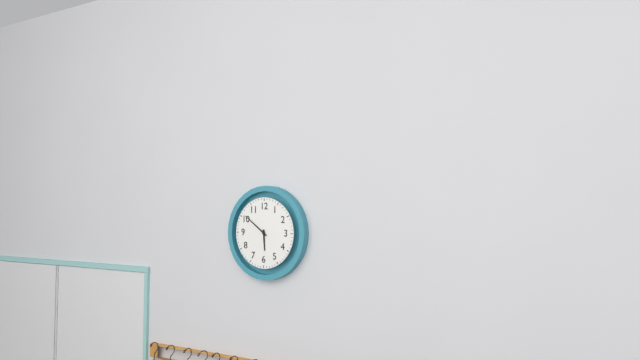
5:51
